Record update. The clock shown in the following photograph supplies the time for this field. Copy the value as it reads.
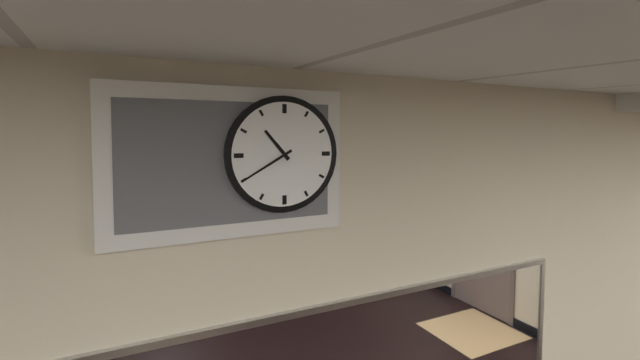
10:40
